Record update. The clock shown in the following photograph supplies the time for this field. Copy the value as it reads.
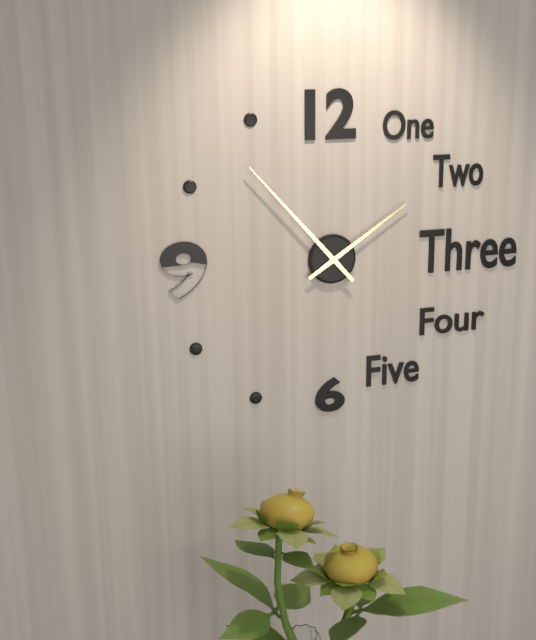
1:53
